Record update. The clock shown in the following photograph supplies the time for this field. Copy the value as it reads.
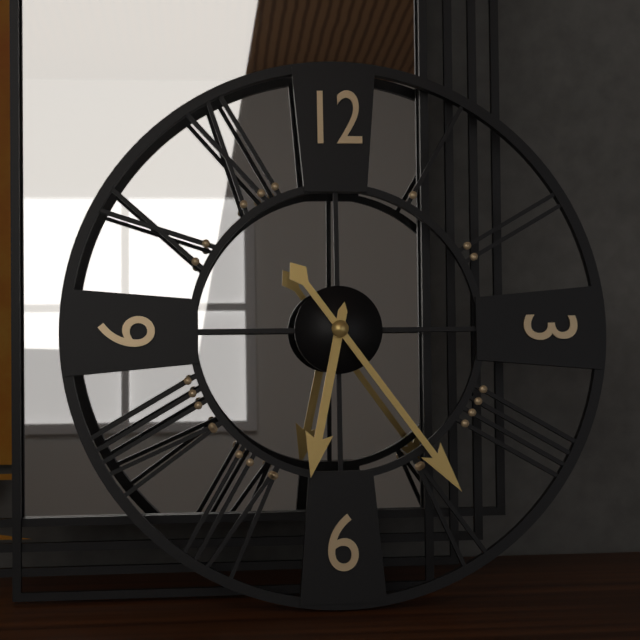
6:24
